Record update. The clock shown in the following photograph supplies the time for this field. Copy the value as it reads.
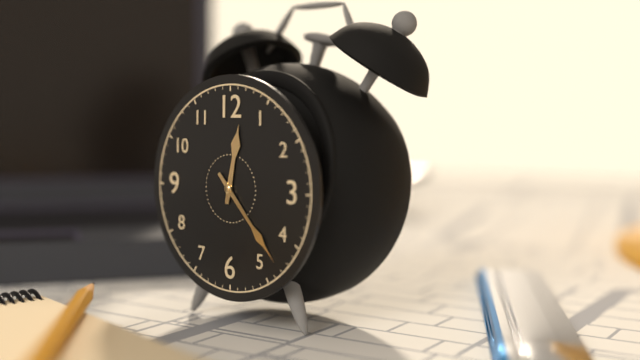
12:23
